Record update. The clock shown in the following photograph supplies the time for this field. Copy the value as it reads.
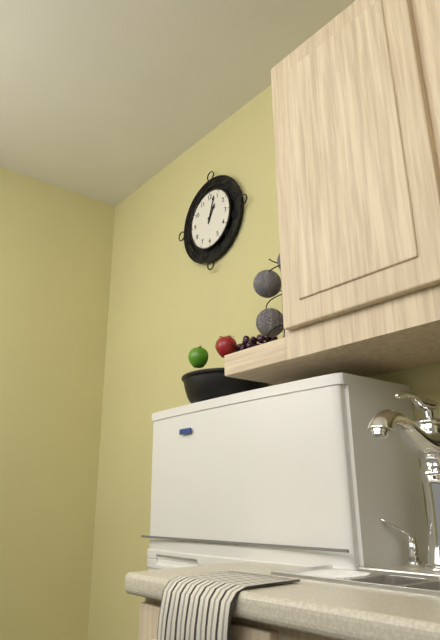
1:03
